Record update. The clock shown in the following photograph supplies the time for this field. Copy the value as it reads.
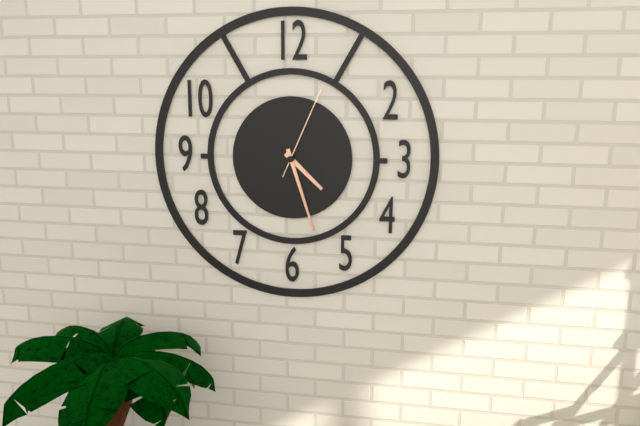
4:27:04
